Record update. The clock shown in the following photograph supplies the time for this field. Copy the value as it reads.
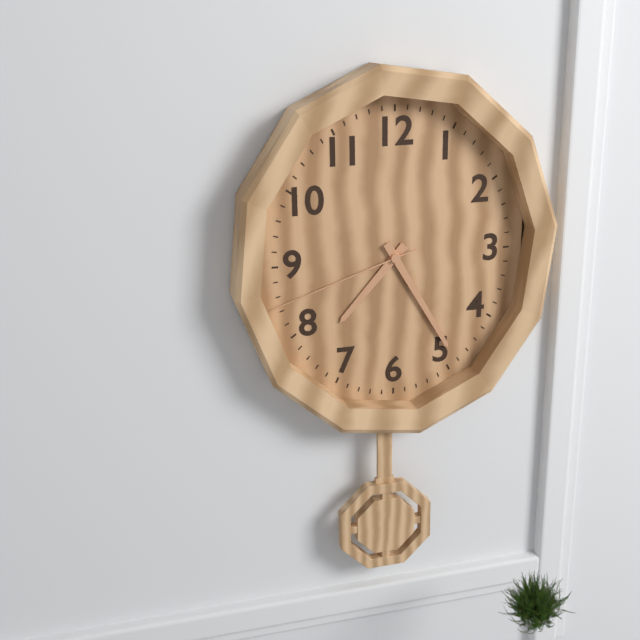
7:25:42
